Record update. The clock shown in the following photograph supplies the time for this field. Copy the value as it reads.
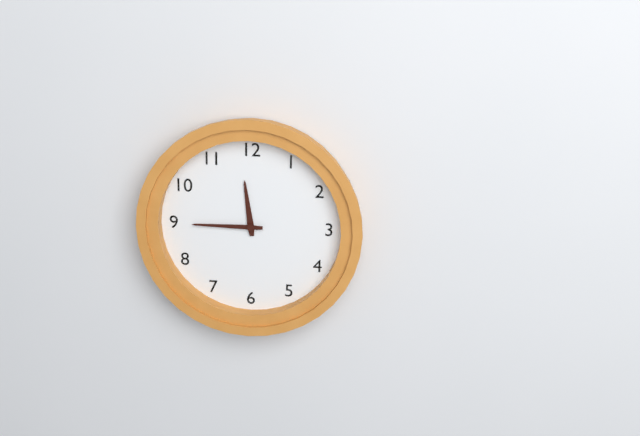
11:45
